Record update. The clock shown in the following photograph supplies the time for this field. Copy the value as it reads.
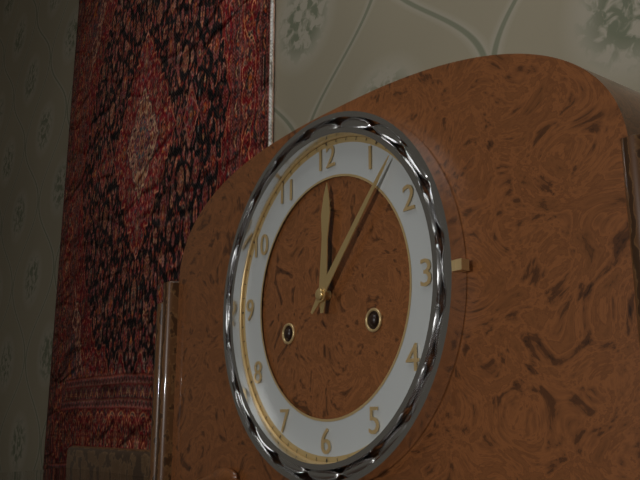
12:07
